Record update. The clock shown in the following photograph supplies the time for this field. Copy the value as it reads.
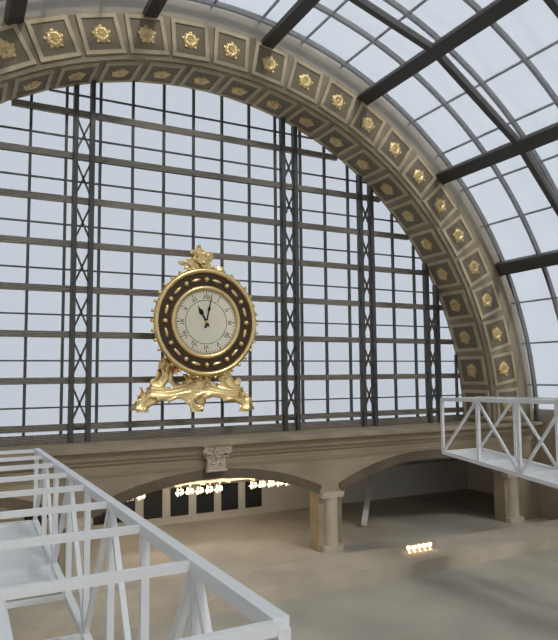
11:02
